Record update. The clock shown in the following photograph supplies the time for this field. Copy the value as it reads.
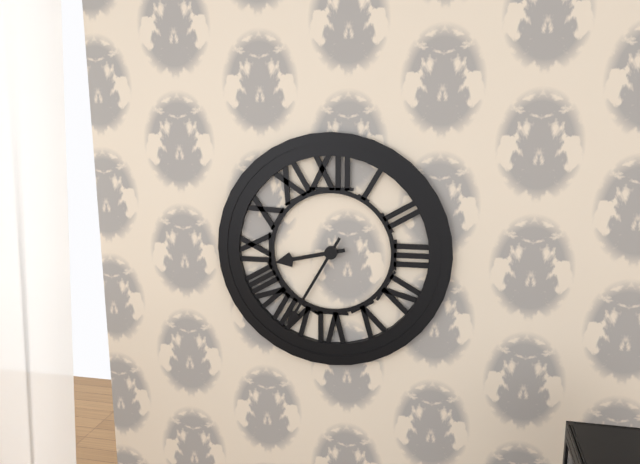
8:35
